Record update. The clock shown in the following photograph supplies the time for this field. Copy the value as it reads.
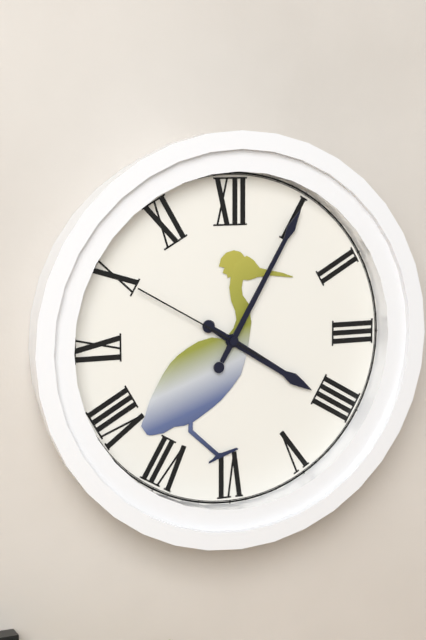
4:05:50
